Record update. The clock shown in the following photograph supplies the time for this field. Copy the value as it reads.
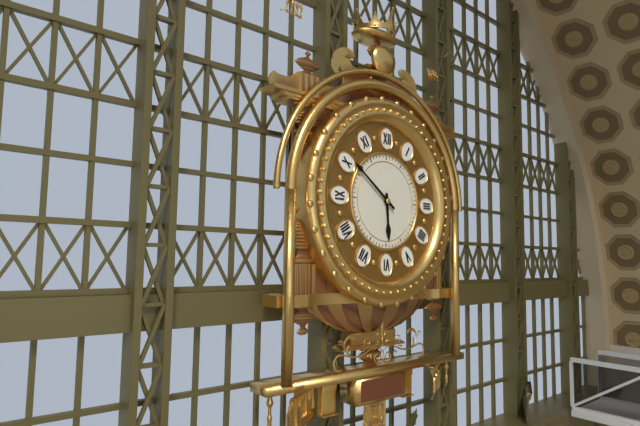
5:51
